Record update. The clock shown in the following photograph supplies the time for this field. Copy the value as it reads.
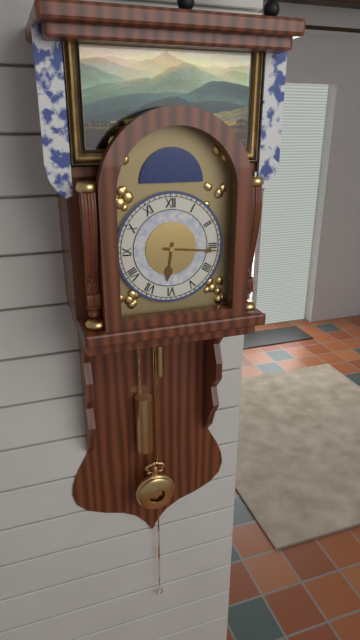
6:16
